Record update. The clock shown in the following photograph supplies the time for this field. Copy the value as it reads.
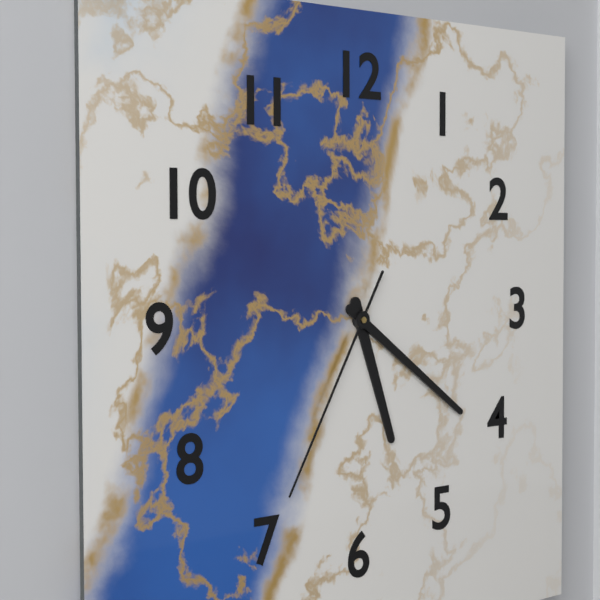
5:21:35
